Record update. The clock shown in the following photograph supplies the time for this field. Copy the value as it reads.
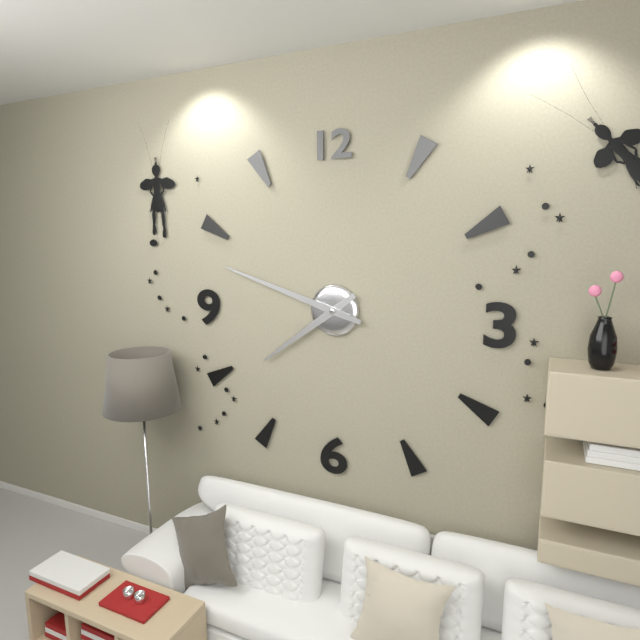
7:48
